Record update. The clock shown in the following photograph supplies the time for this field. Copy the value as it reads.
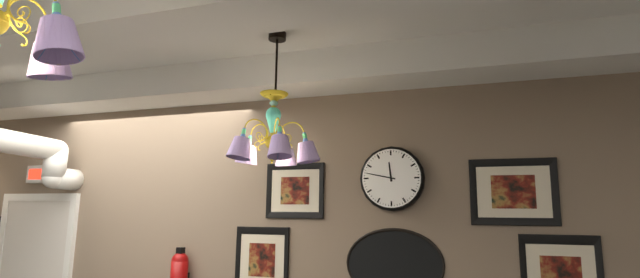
11:47
